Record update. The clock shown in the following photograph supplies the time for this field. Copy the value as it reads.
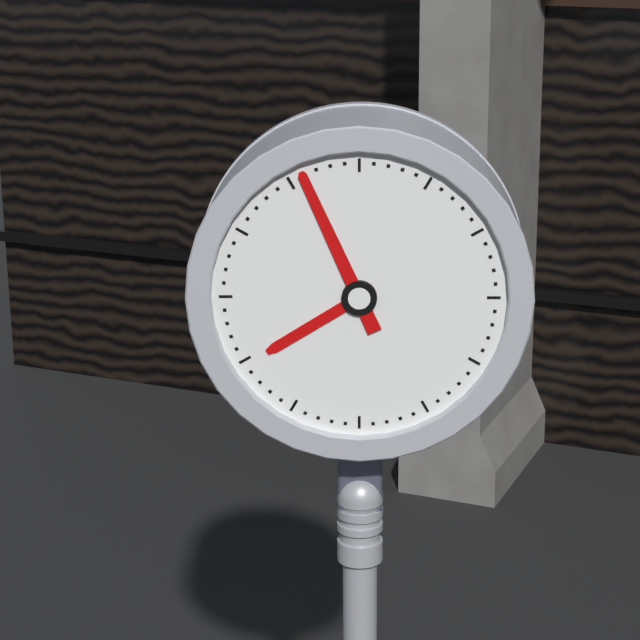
7:56
